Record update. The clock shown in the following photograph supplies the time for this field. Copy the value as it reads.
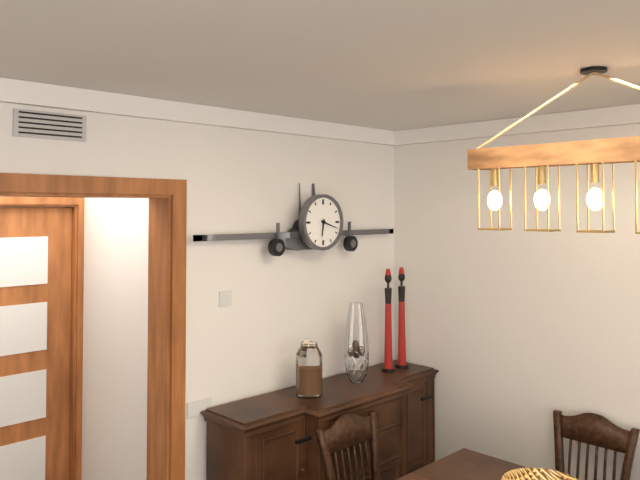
6:18
